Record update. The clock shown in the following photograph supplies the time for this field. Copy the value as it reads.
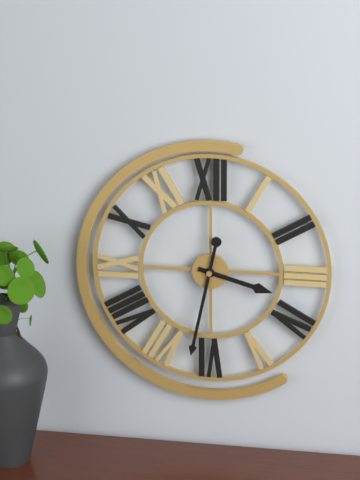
3:32
